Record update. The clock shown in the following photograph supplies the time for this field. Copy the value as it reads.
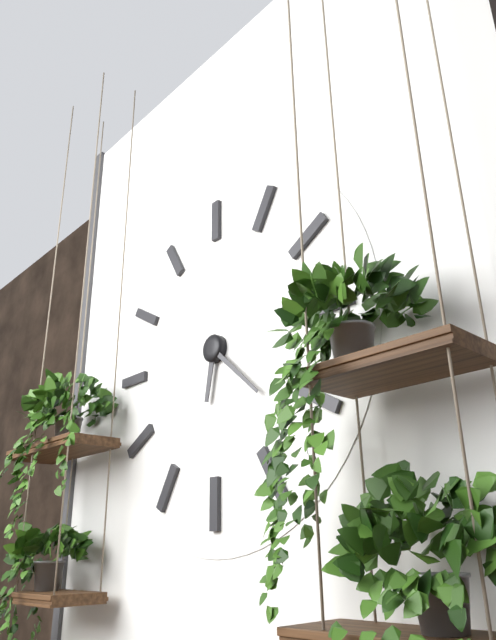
6:22
